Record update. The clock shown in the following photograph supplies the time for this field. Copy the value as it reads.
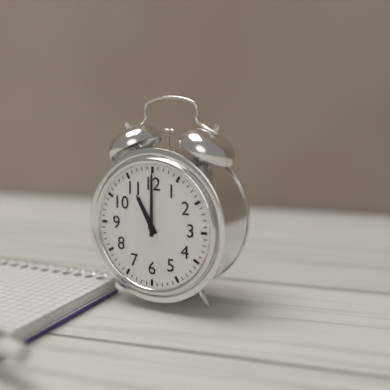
11:00
